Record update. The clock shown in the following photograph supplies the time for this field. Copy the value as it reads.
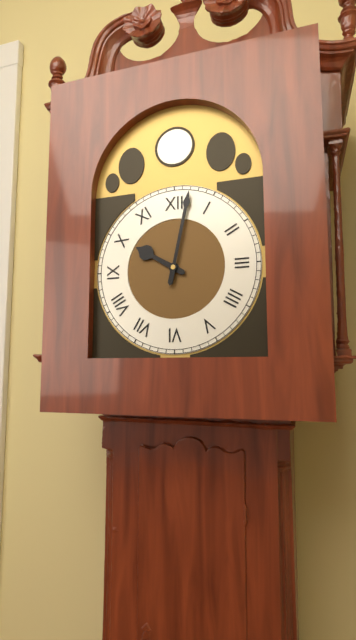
10:02
